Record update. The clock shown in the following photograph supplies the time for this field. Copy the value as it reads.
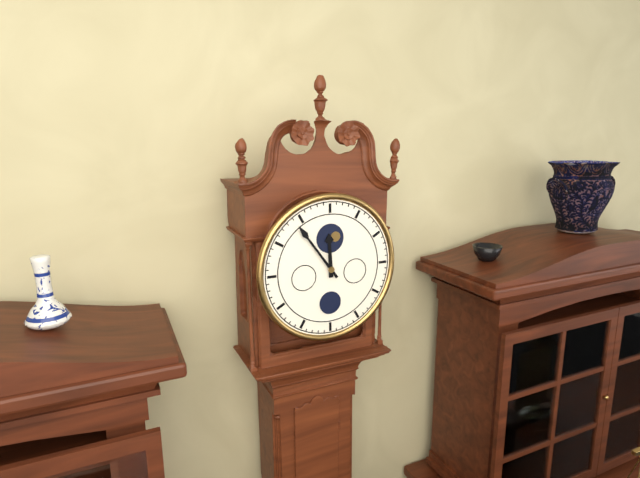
11:54
